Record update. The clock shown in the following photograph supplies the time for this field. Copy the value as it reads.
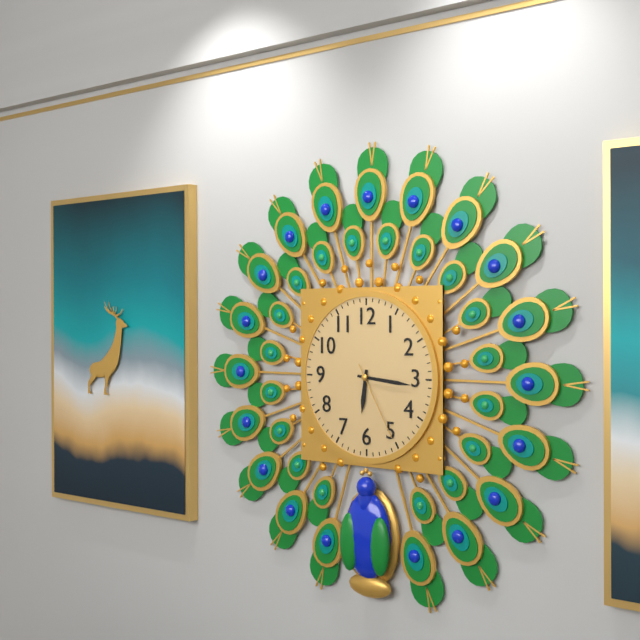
6:16:25
